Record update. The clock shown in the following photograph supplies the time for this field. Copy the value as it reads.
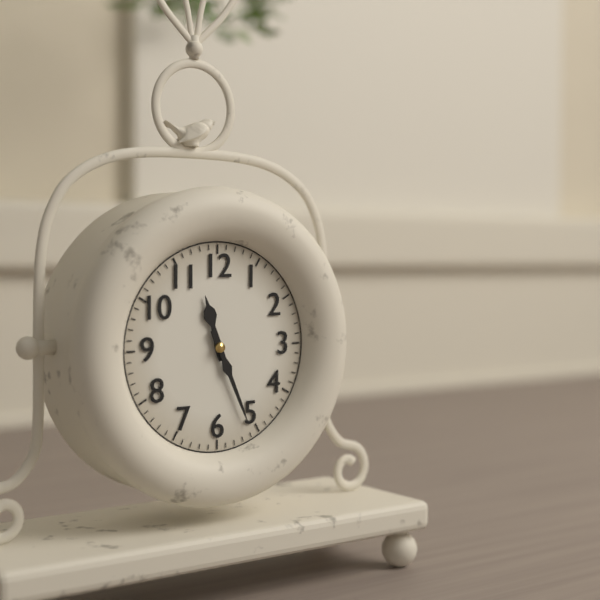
11:26
